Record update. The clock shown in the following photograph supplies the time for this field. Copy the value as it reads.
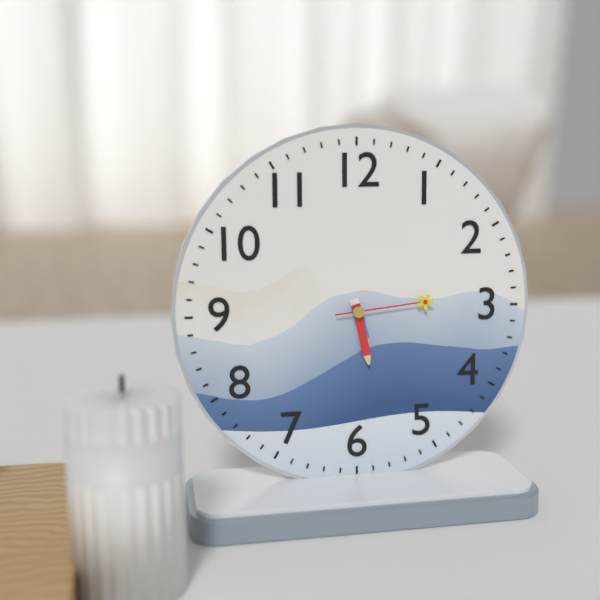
5:28:14
